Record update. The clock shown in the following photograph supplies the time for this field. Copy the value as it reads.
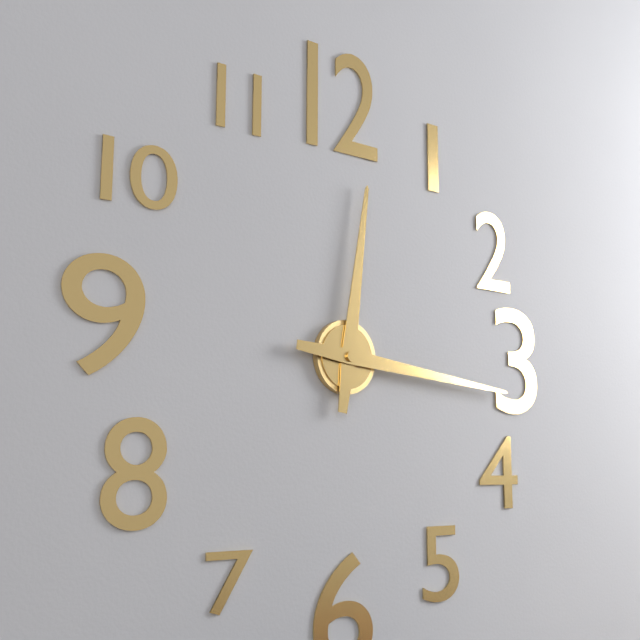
12:16
